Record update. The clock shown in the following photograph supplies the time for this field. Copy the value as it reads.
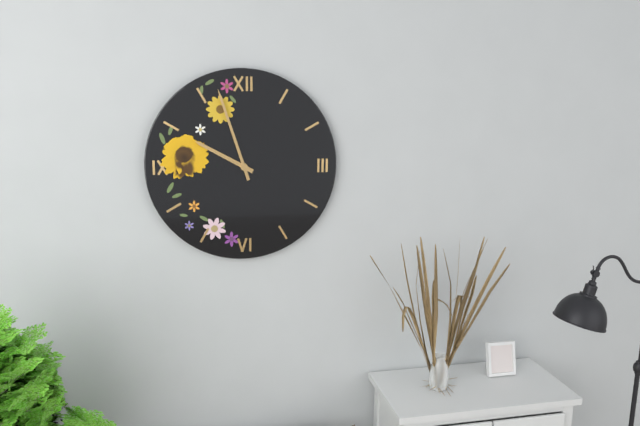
9:57
